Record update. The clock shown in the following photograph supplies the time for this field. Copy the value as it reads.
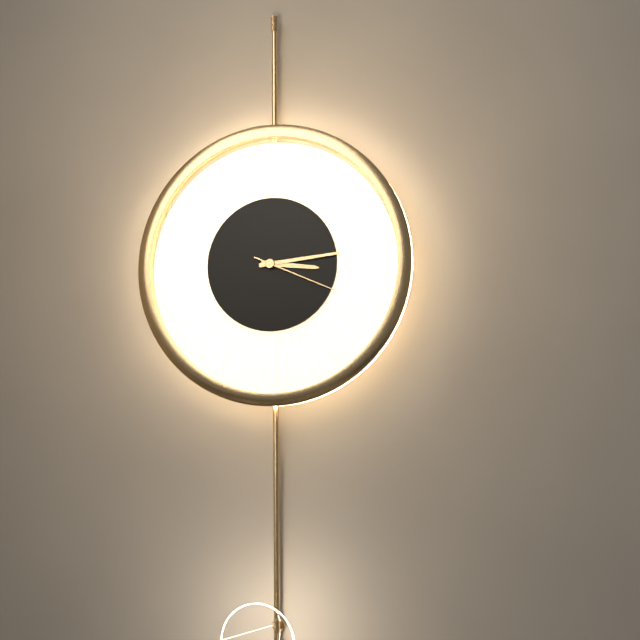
3:14:19
